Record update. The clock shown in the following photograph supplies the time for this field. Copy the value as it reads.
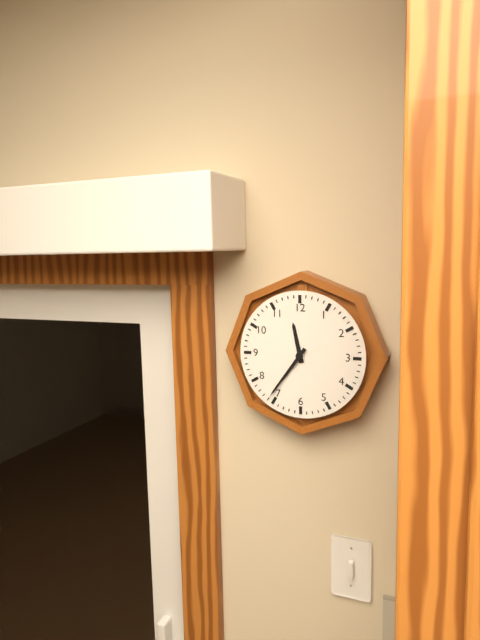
11:36
